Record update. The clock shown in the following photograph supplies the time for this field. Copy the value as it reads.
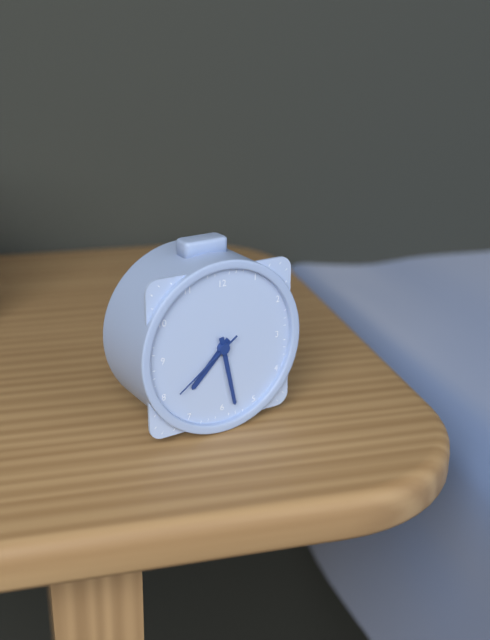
7:28:39
